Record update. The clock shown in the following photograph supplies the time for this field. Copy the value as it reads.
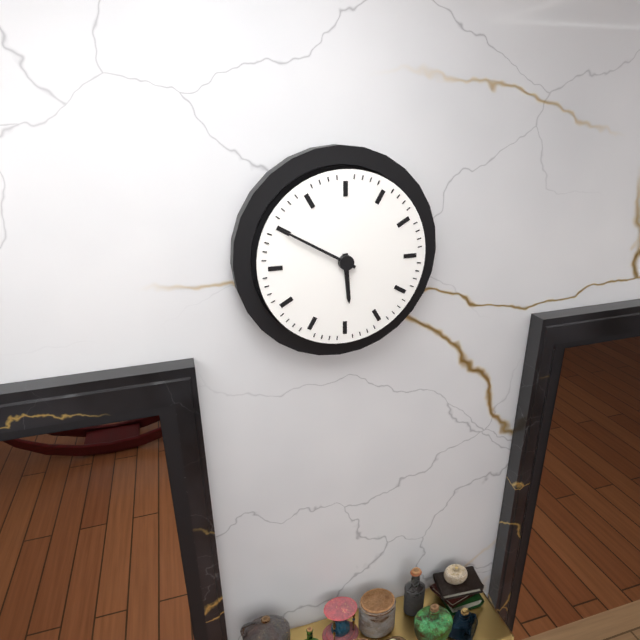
5:50
